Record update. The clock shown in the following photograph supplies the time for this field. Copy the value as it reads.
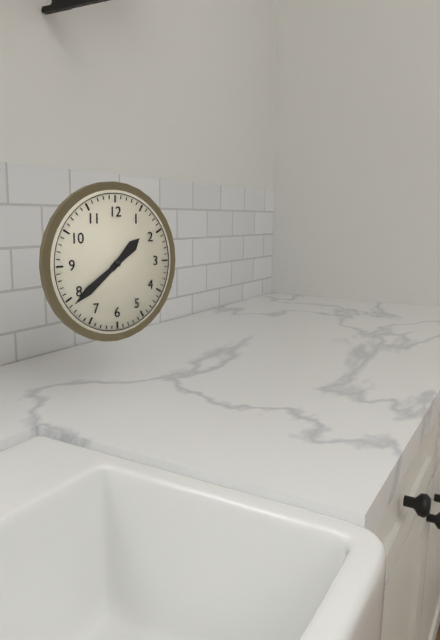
1:39
